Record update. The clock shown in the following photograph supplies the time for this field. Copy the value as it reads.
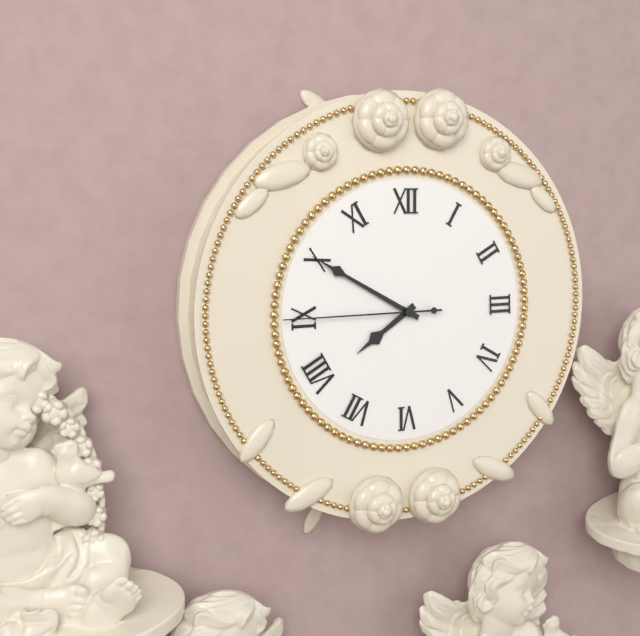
7:50:45
